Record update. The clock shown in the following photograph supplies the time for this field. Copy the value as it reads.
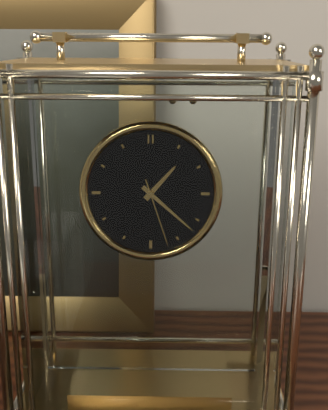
1:22:27
